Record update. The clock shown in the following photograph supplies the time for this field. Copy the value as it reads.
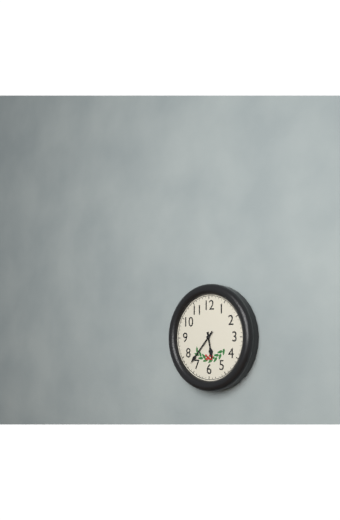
5:37
